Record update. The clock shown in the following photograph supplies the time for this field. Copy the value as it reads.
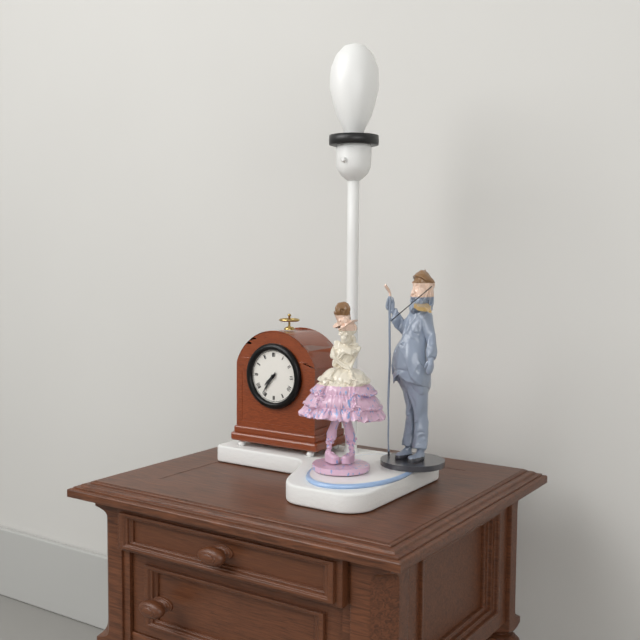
7:36
